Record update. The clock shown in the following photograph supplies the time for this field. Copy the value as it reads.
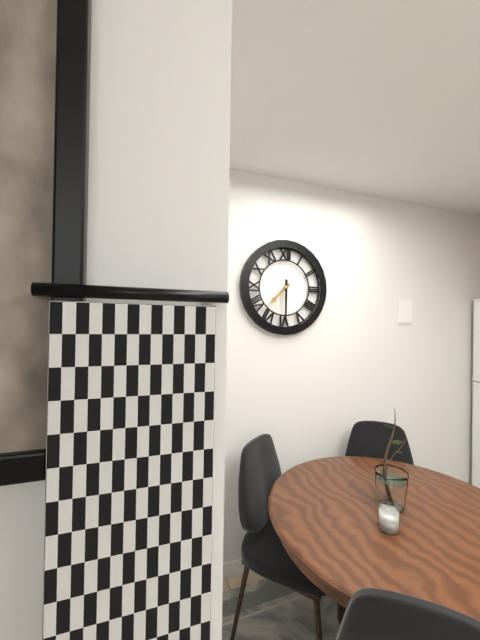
7:30
